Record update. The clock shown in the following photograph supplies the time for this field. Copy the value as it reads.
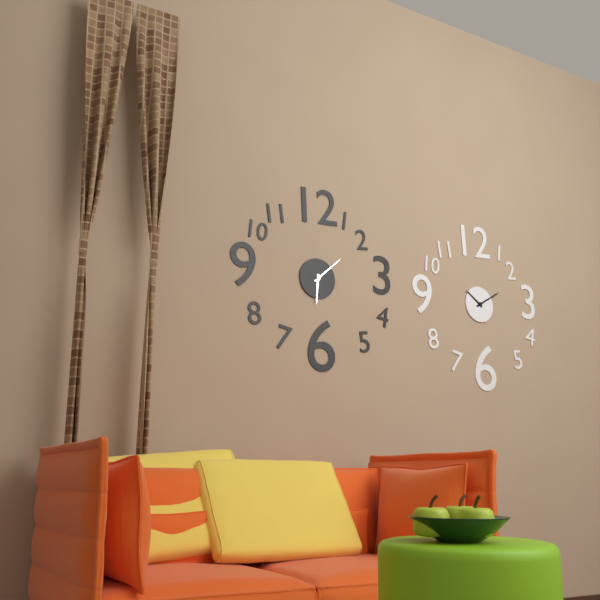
6:08
